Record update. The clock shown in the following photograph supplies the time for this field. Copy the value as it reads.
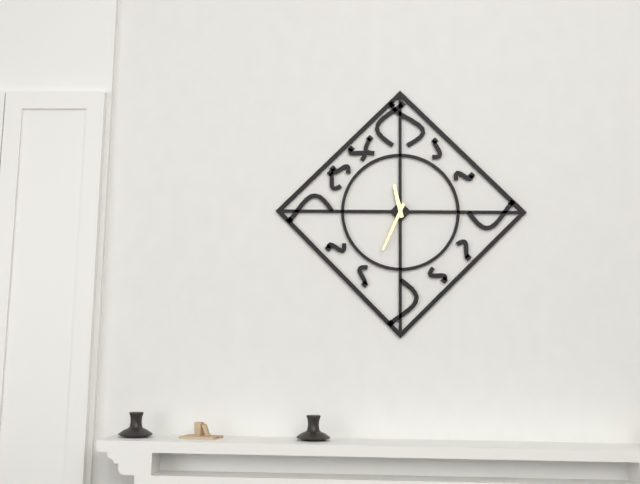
11:34
